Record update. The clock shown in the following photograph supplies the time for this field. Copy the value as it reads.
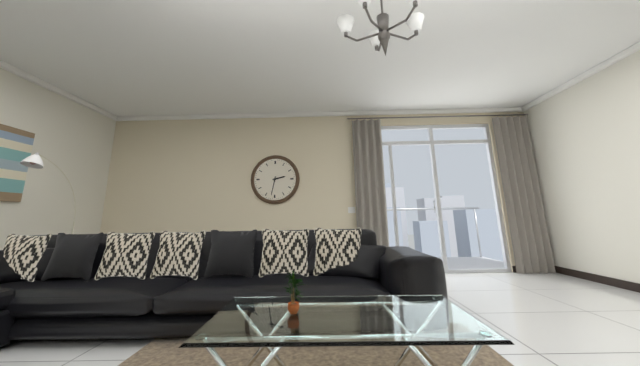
2:32
